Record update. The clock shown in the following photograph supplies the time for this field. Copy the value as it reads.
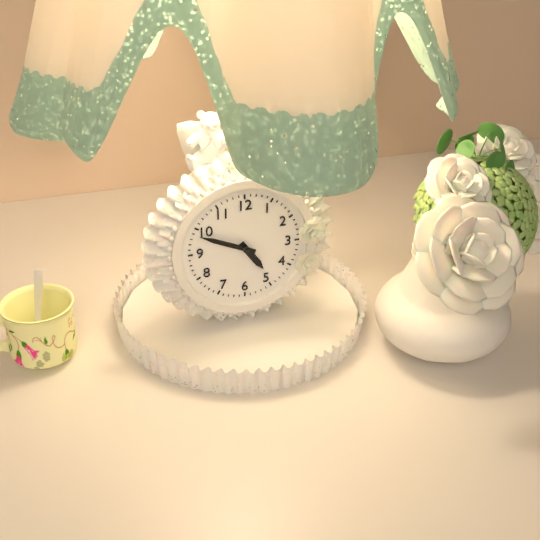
4:49
